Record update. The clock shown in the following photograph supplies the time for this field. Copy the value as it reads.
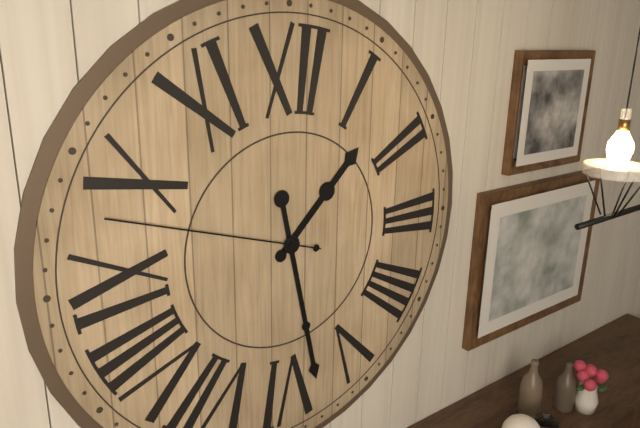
1:28:48
